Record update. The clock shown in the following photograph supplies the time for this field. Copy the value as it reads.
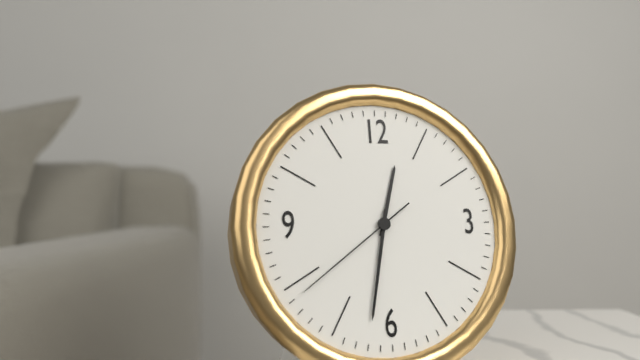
12:32:39
